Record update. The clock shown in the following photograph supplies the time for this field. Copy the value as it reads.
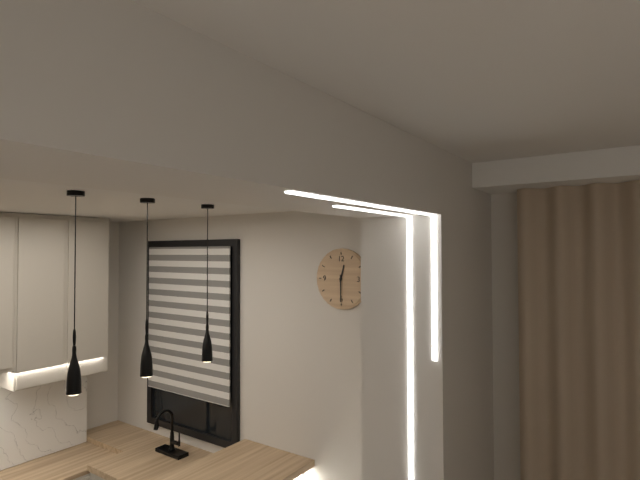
12:30
